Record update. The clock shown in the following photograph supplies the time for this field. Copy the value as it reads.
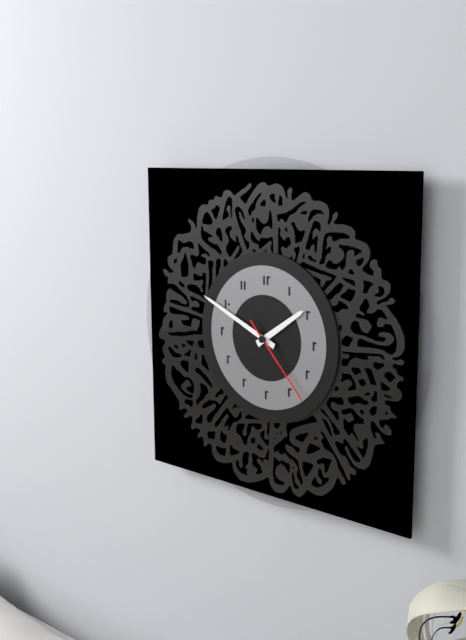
1:49:23
